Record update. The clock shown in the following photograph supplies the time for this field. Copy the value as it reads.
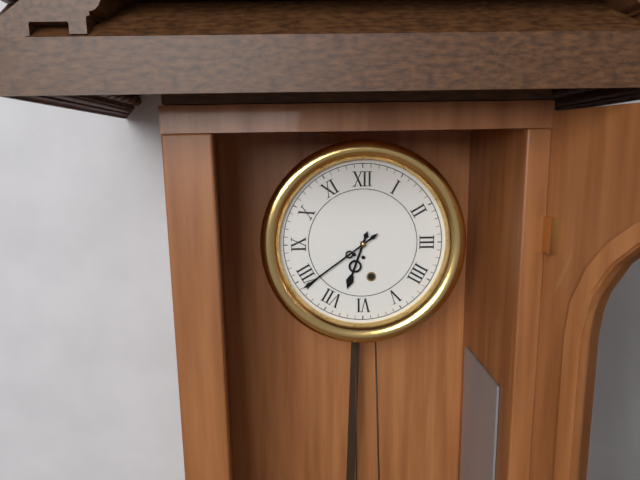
6:39
